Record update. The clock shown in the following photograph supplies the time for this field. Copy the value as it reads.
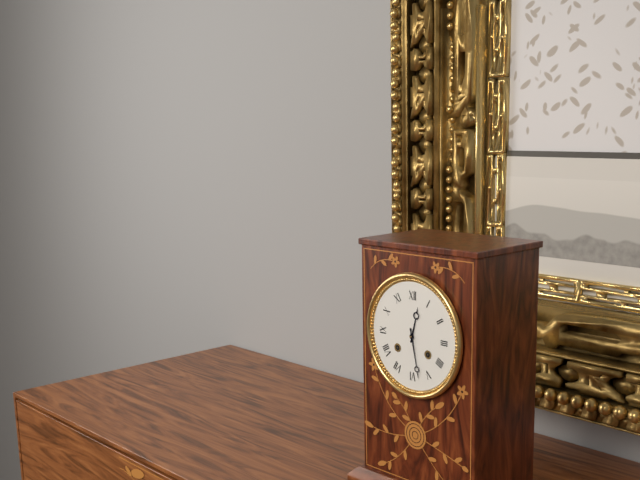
12:28
